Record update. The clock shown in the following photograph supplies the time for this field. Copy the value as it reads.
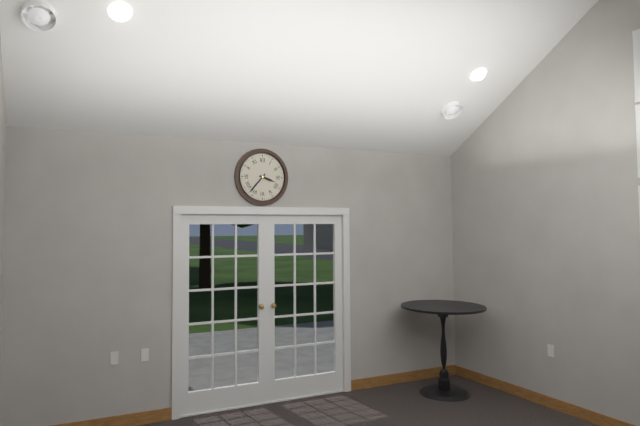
3:37
